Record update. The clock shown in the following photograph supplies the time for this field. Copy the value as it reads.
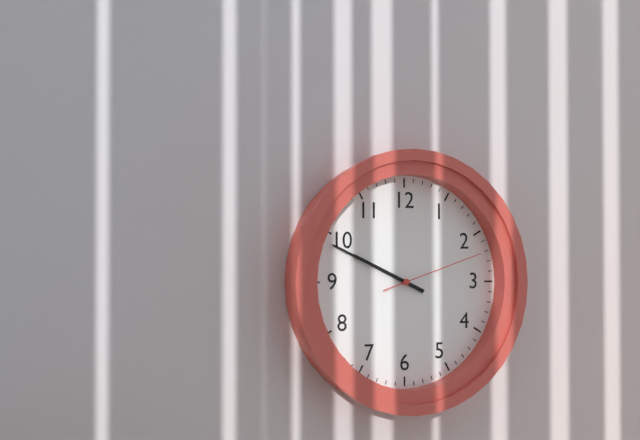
9:49:12
